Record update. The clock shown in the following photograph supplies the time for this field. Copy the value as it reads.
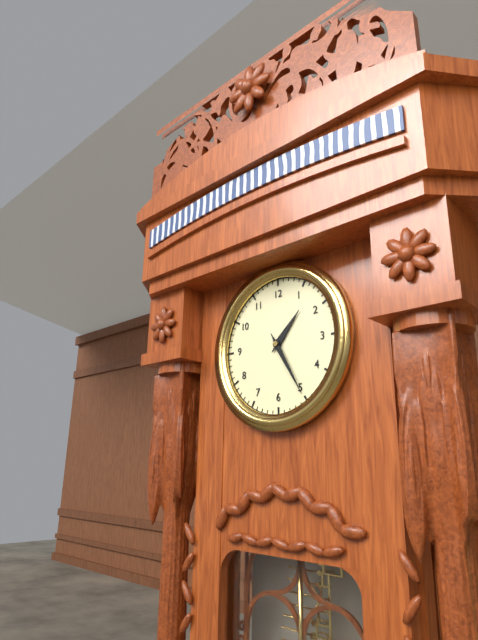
1:25
